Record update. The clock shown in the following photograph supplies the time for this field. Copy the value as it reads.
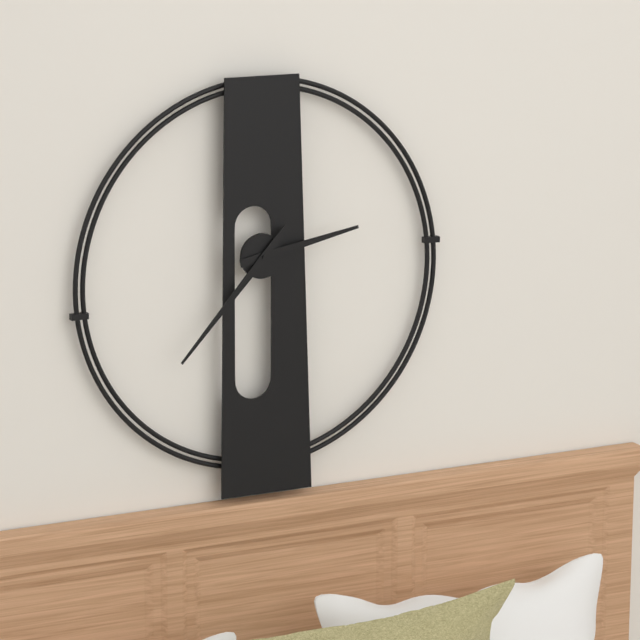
2:37
